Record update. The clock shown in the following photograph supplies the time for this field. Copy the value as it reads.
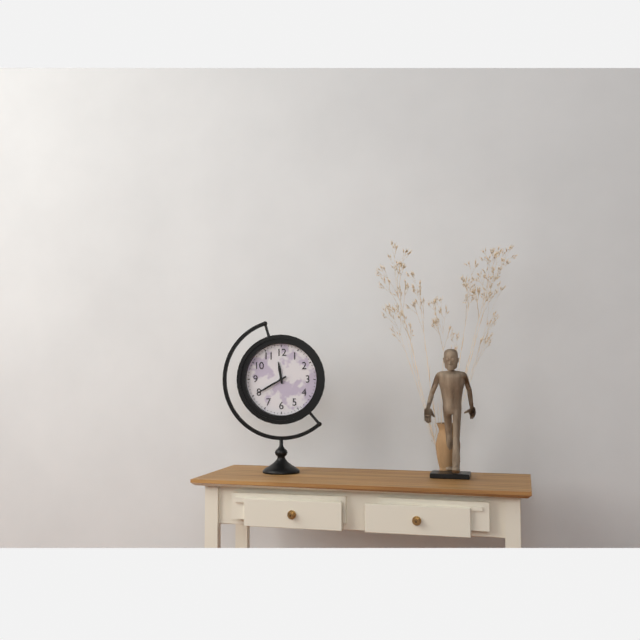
11:40
